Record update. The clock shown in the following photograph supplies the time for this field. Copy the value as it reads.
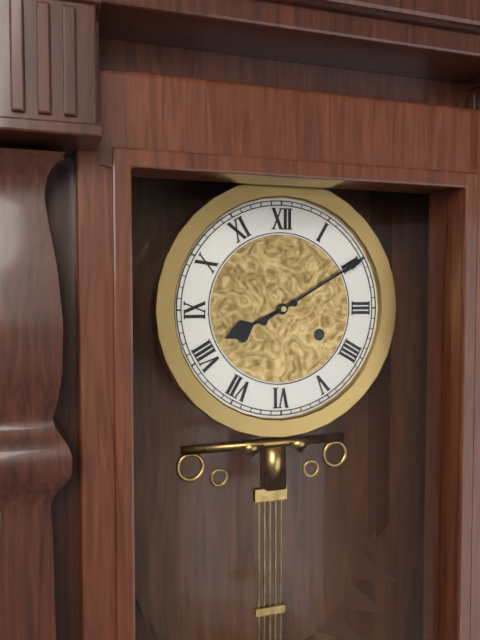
8:10
